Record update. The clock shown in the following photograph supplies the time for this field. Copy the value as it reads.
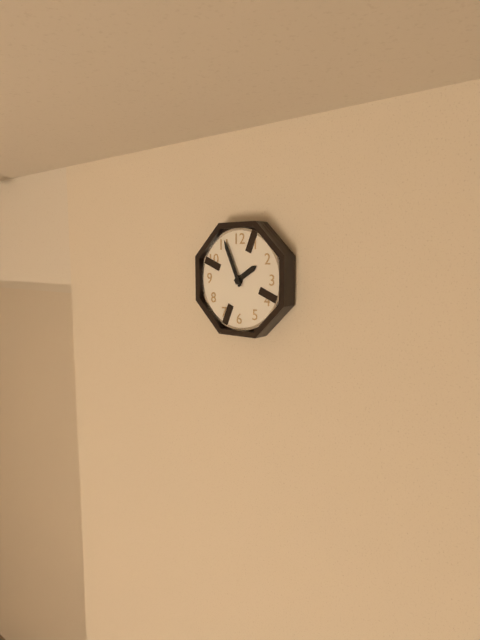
1:56
